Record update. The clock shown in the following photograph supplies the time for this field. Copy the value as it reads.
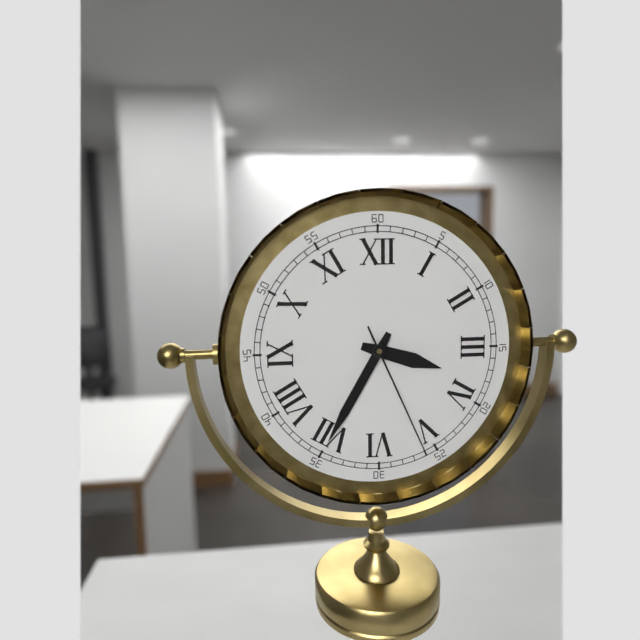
3:35:26
